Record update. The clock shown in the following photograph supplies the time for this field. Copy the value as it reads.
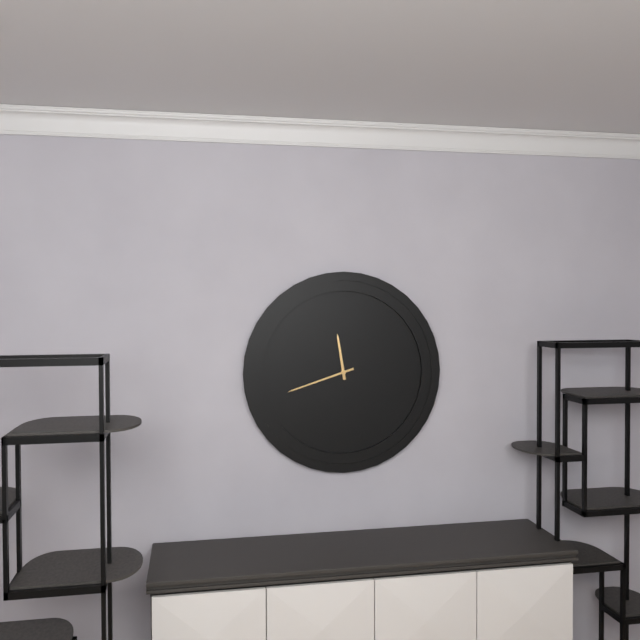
11:42
